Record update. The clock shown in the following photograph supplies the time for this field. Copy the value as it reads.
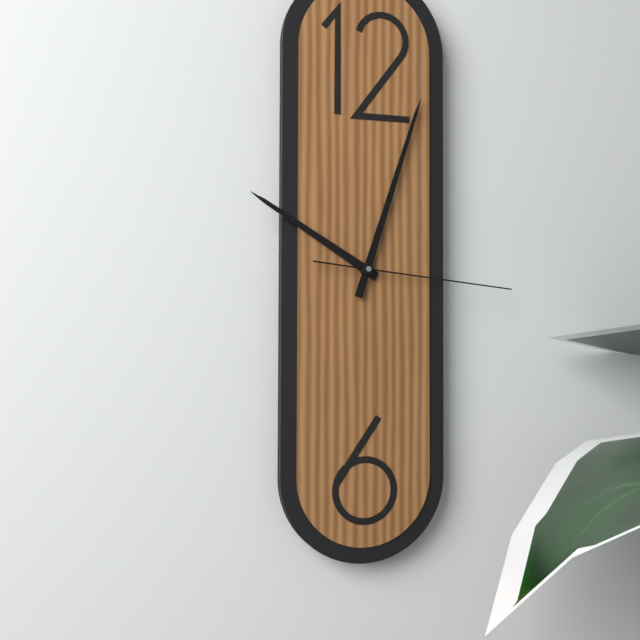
10:03:16
